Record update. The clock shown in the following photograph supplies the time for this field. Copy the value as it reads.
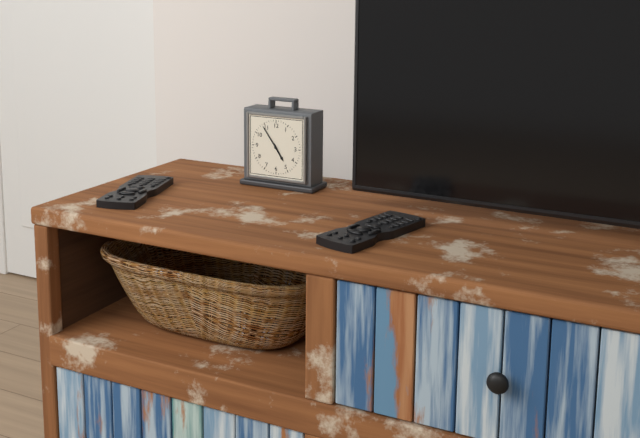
4:54
